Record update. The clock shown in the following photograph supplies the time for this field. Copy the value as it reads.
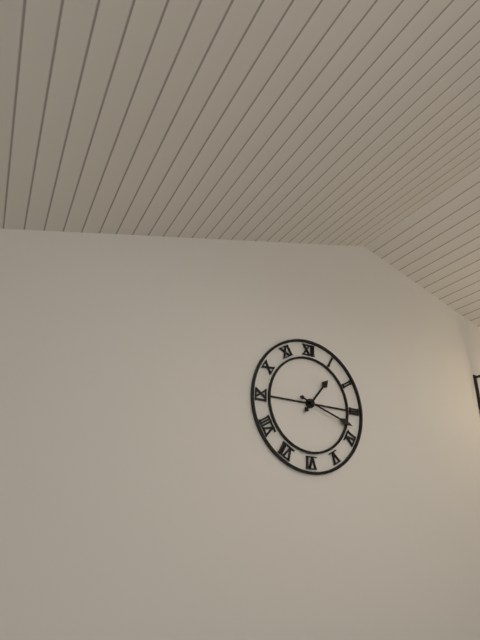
1:18
